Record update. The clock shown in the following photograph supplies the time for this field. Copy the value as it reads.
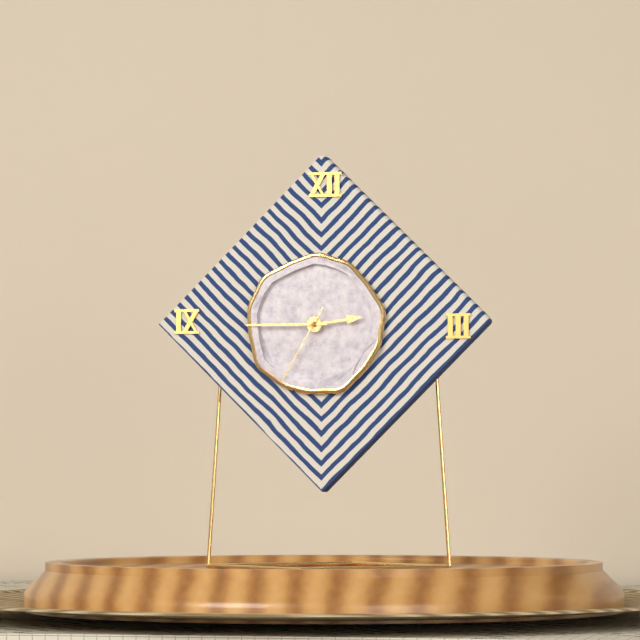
2:45:35
